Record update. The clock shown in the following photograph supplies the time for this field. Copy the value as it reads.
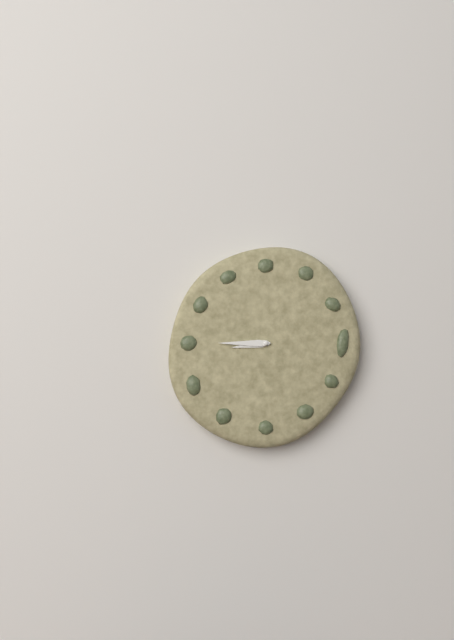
8:45
